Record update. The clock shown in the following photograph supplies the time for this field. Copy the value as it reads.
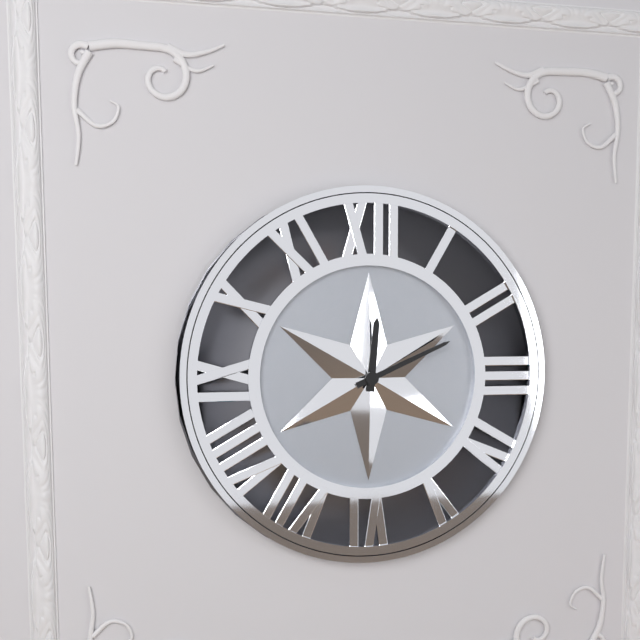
12:11
